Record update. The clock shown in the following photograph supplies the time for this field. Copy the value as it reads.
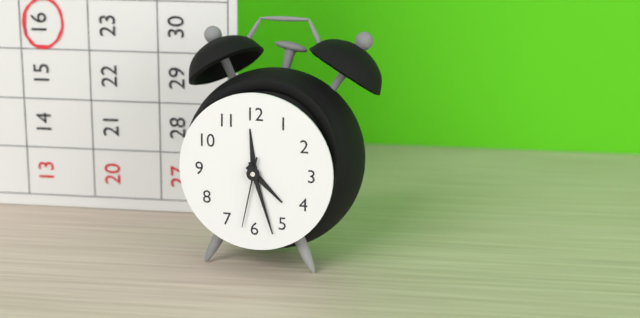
4:27:32
